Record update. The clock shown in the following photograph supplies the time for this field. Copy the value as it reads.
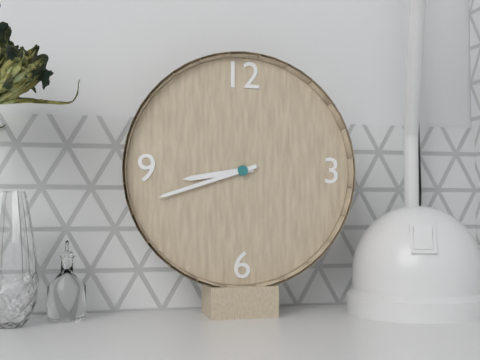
8:42
